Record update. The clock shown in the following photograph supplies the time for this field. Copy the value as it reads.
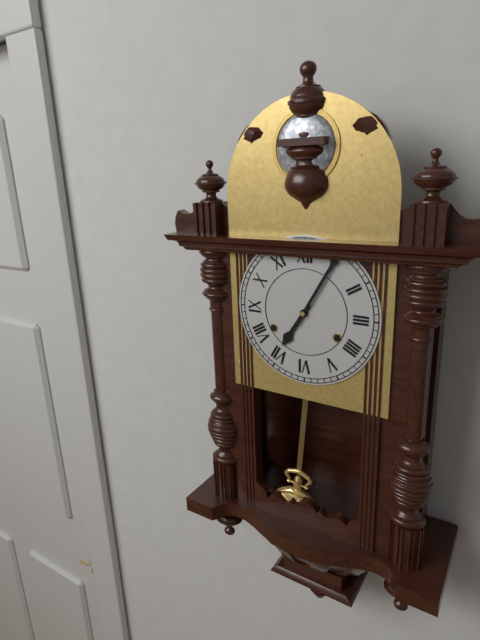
7:05
